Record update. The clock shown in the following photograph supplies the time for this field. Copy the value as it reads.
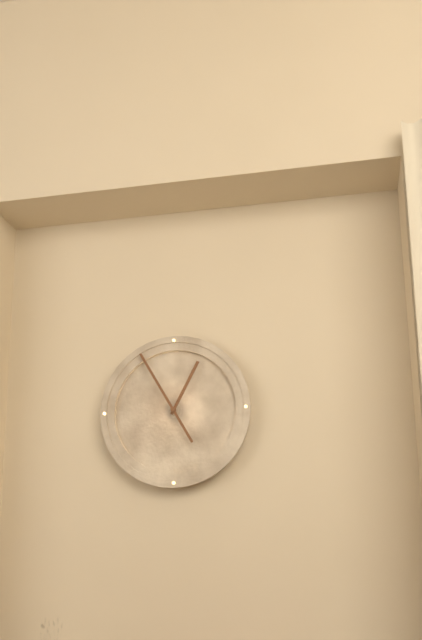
12:55
